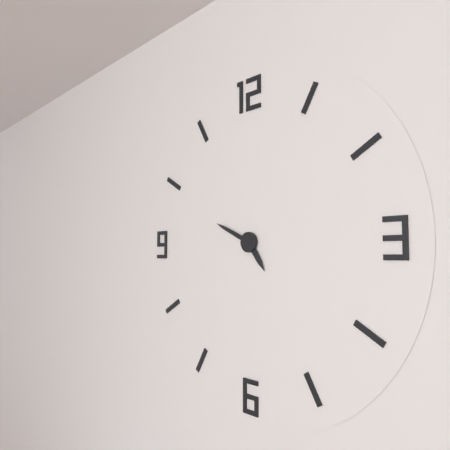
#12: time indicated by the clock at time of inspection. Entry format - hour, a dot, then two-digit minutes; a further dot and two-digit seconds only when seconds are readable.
4.49
